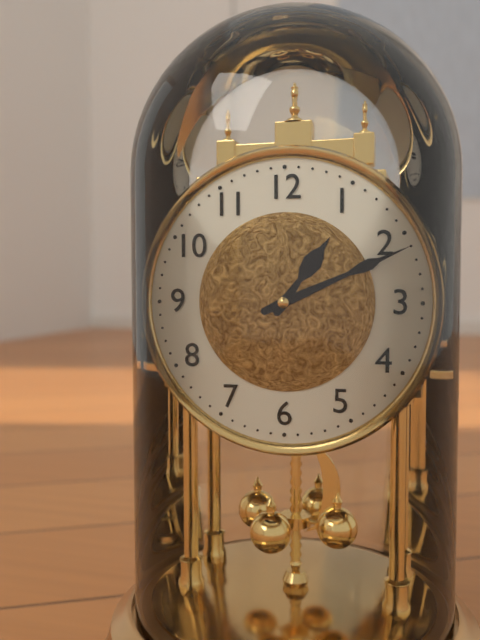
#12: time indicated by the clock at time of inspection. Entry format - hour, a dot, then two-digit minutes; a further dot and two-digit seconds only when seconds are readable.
1.11
